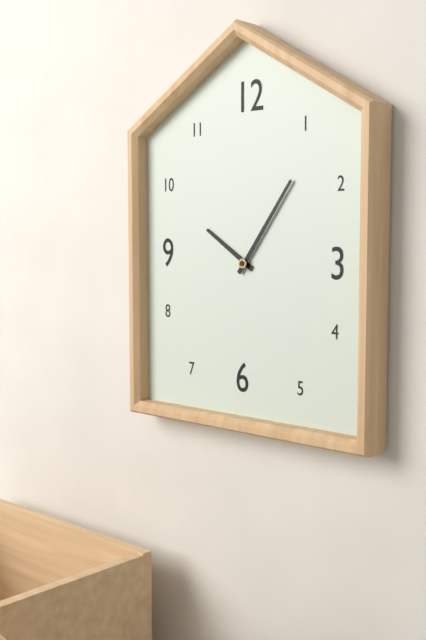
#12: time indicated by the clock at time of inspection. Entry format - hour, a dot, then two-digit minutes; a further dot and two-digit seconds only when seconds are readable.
10.06
